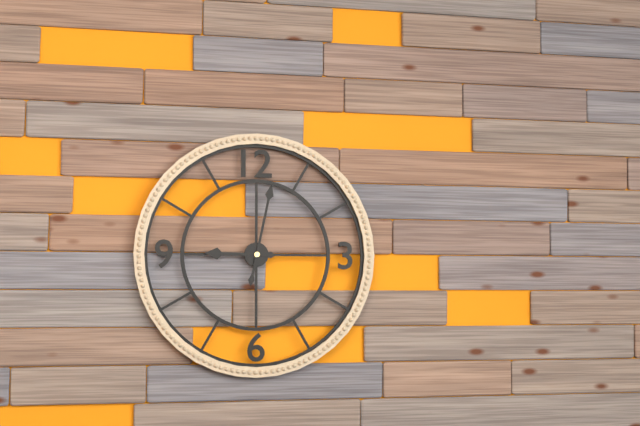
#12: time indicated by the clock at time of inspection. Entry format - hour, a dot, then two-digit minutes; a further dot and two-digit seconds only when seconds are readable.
9.02
